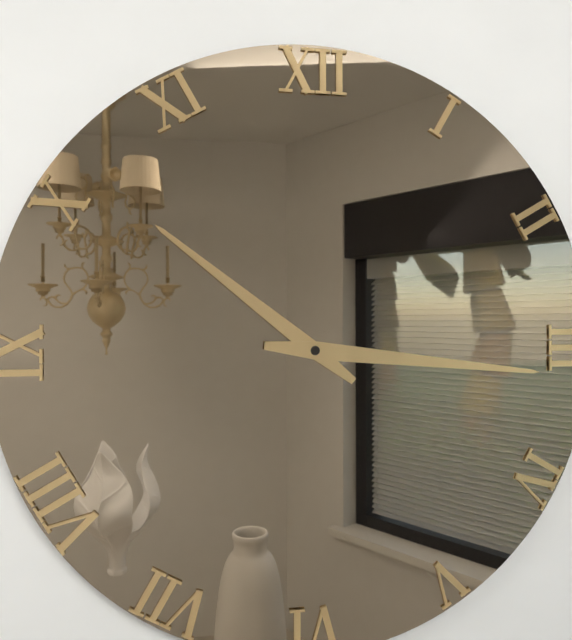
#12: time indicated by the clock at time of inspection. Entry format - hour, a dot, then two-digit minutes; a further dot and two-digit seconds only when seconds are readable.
10.16
